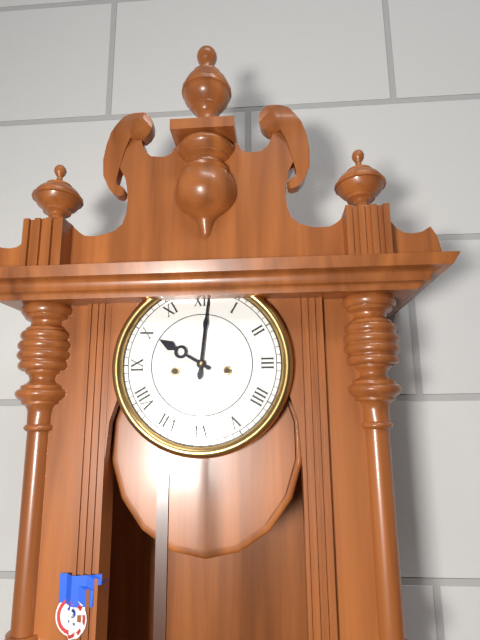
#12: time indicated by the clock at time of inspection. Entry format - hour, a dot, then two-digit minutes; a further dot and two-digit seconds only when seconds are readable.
10.01
